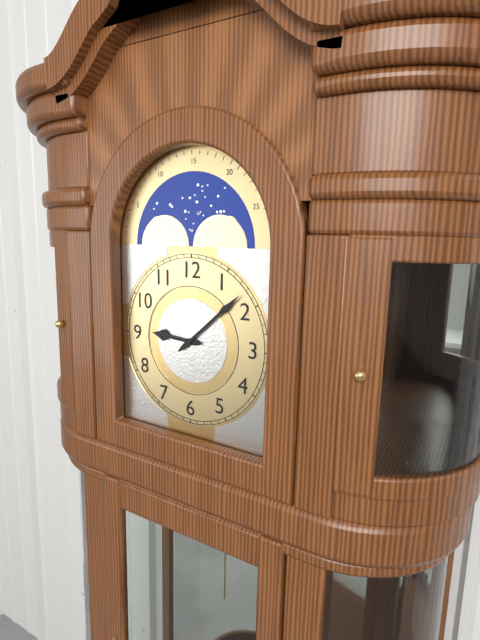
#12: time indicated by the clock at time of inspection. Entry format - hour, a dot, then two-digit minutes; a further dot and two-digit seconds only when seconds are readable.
9.08
